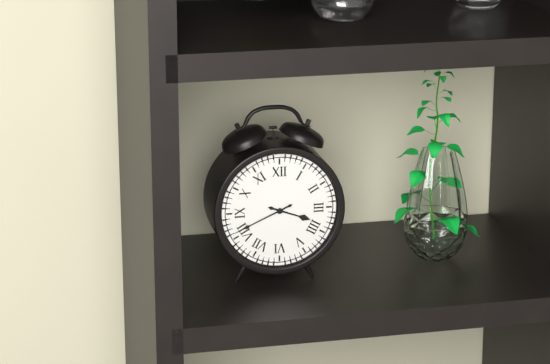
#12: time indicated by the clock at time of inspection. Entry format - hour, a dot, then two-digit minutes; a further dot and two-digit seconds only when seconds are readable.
3.41
